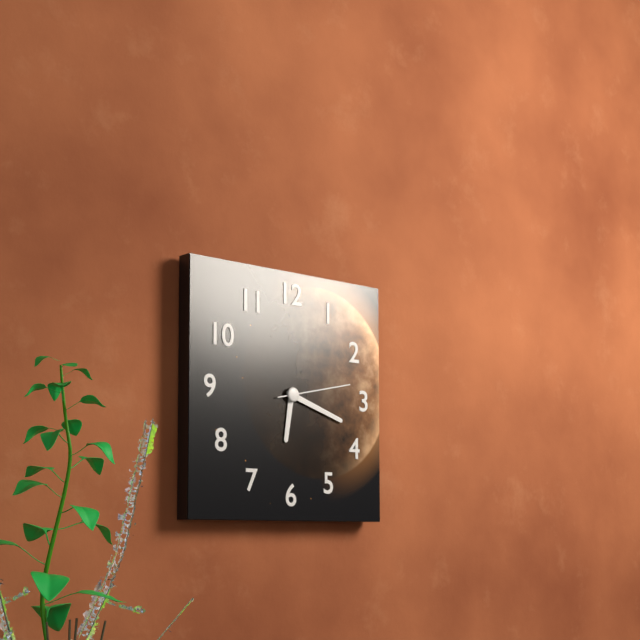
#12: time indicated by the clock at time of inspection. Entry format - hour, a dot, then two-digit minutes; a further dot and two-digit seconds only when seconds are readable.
6.18.13
